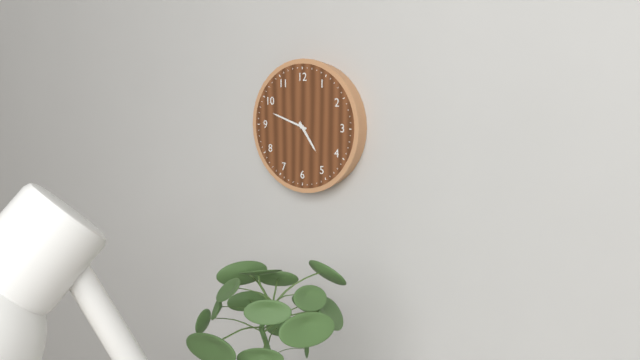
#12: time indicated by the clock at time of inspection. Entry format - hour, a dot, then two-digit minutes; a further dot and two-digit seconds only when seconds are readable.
4.48
